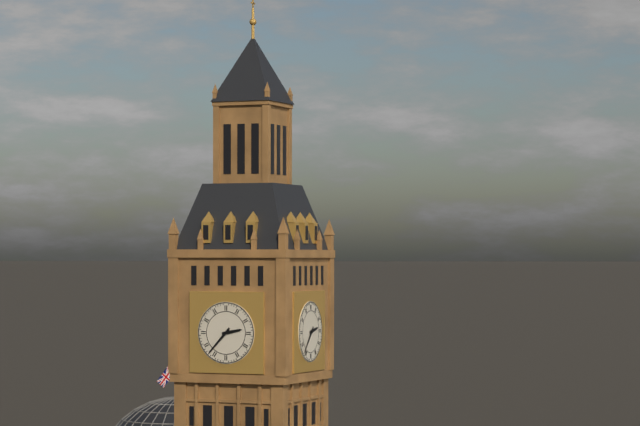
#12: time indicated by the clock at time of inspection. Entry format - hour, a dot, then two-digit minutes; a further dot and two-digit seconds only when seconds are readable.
2.37
